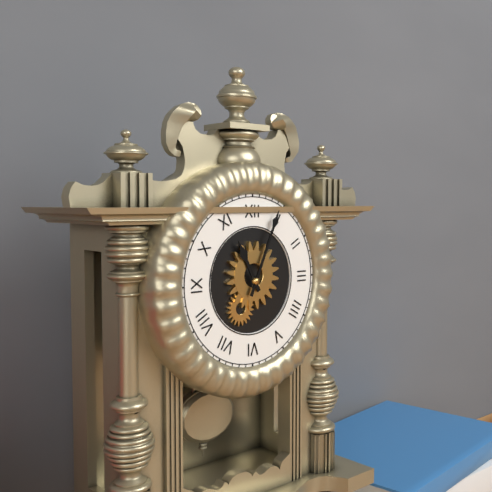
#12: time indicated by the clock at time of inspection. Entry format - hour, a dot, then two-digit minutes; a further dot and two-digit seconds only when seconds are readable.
11.04
